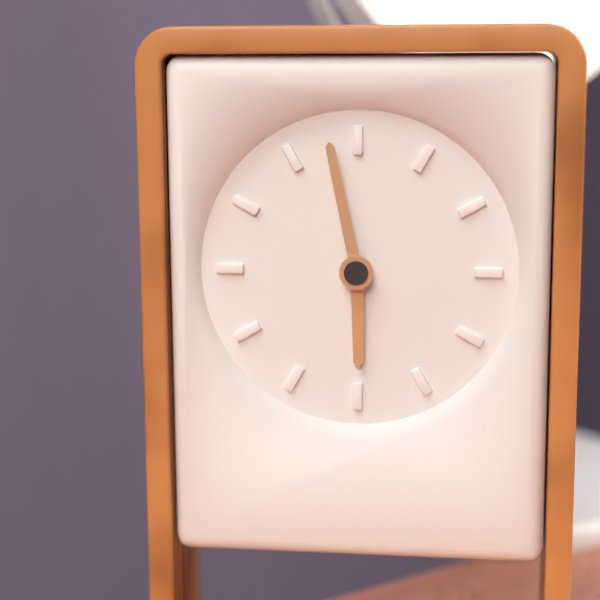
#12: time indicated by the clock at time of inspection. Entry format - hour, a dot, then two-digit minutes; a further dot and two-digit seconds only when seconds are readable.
5.58
